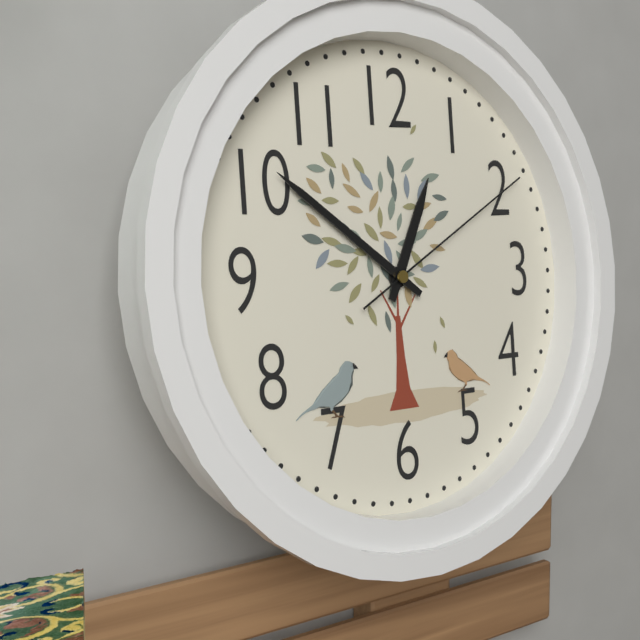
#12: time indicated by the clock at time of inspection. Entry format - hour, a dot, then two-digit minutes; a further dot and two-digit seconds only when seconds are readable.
12.51.10
